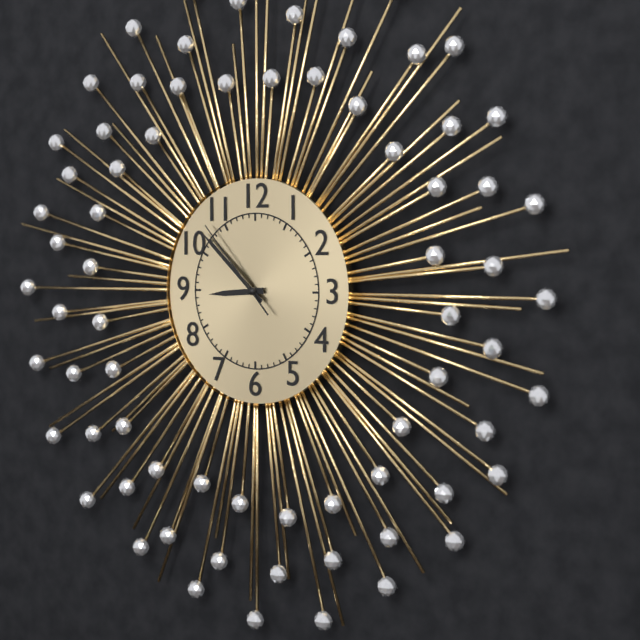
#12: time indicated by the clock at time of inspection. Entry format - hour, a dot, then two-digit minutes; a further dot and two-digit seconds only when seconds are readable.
8.52.53
